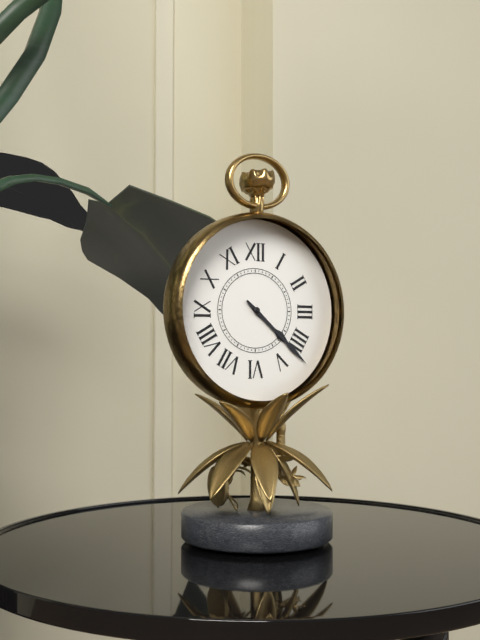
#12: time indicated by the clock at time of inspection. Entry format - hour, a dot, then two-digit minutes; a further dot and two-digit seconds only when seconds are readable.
4.22
